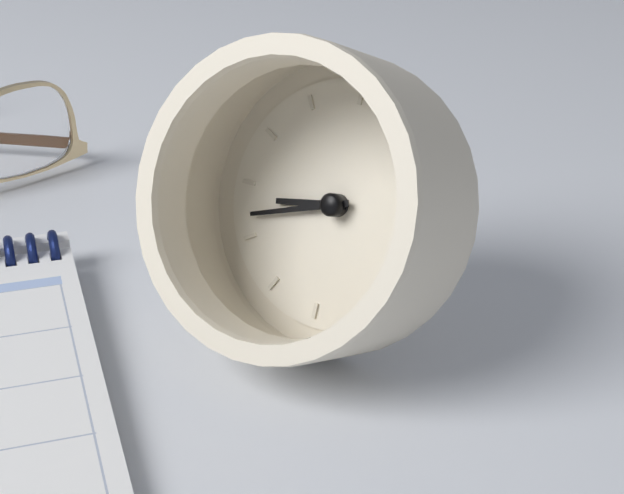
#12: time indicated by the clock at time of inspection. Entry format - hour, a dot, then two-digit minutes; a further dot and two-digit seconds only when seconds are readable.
8.42
